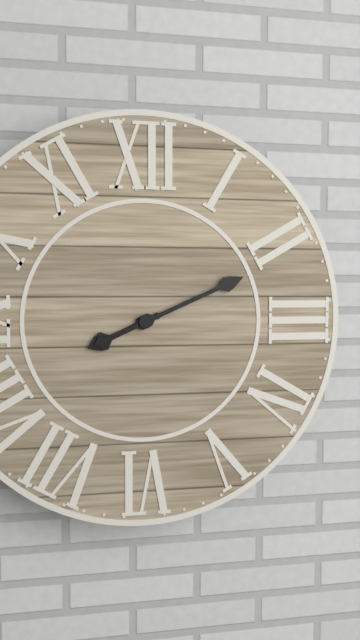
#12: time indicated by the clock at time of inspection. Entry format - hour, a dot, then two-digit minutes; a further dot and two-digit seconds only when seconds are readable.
8.11
